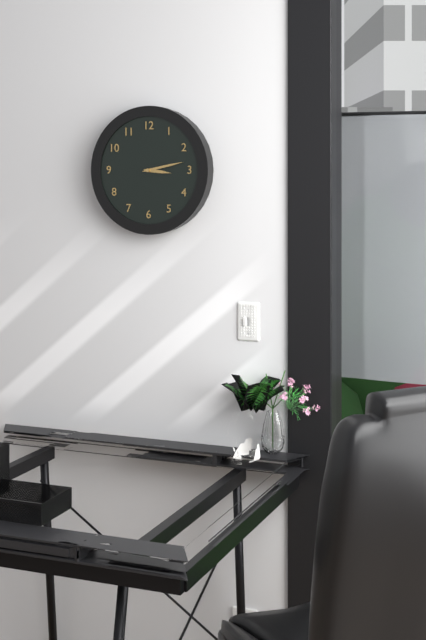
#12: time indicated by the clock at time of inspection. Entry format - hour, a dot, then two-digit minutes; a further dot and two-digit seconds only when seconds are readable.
3.13
